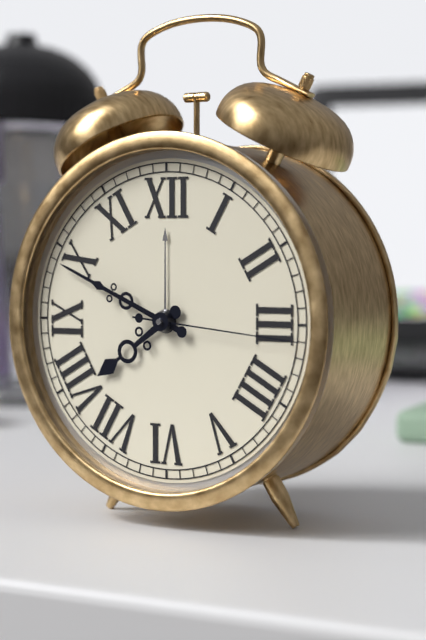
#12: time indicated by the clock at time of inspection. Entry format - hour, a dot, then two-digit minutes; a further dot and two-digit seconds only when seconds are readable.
7.49.16
